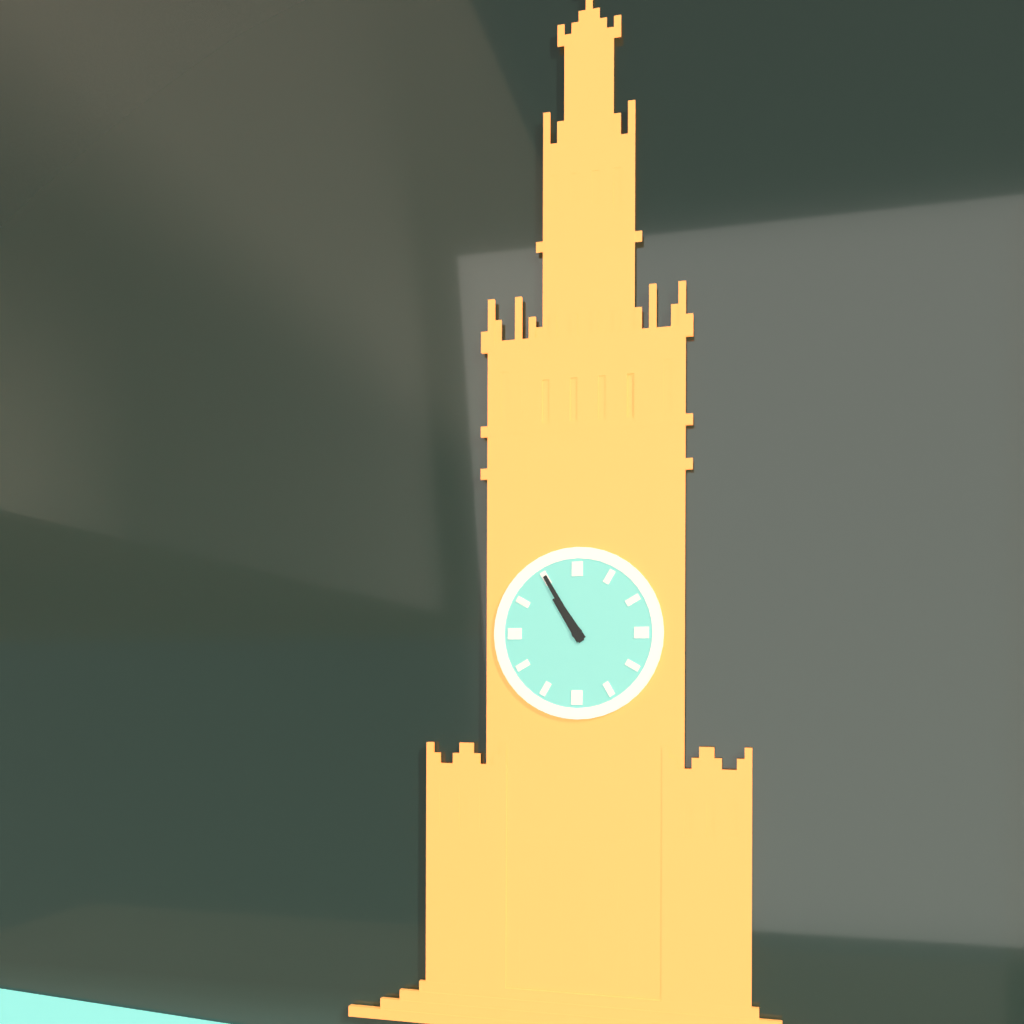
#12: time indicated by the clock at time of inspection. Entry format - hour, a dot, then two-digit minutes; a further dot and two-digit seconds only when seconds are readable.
10.55
